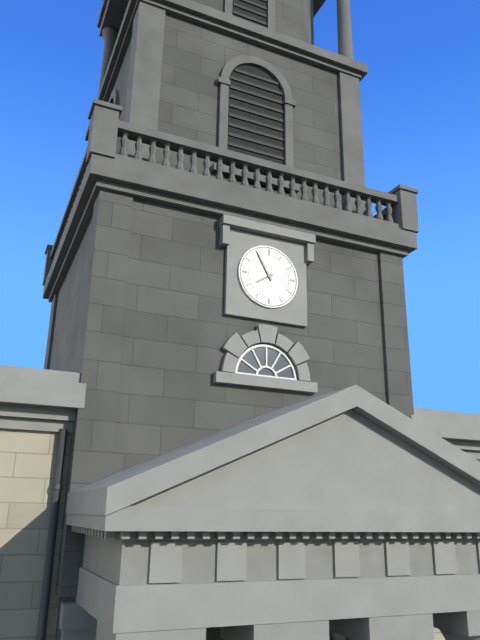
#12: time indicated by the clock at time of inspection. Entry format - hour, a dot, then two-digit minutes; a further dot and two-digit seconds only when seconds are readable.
7.55
